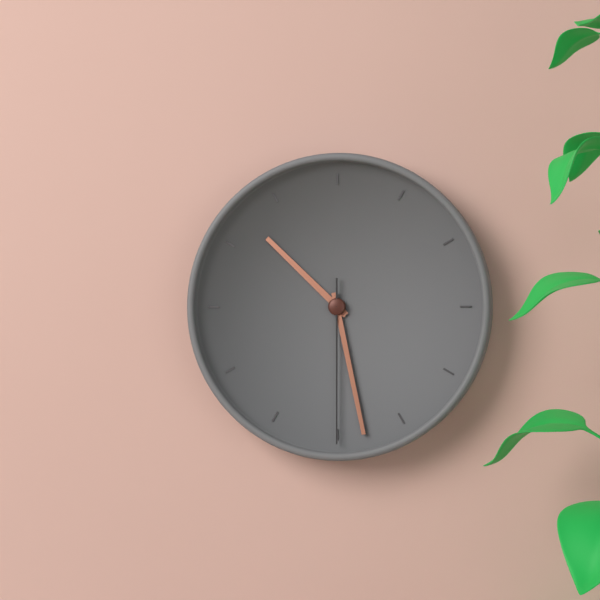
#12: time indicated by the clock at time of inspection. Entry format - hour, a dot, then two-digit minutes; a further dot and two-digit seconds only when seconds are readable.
10.28.30
